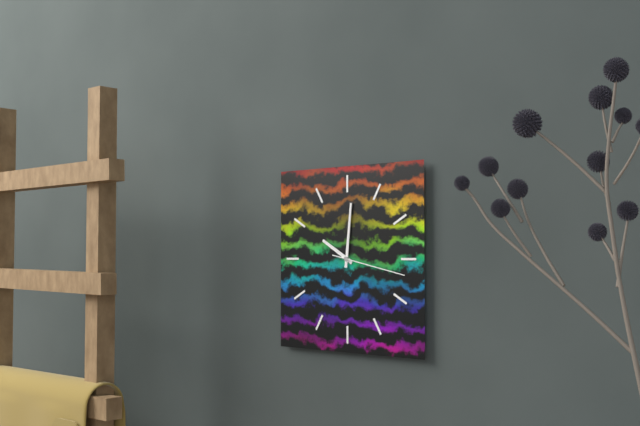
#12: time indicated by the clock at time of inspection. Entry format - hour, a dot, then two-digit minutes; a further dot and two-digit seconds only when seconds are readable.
10.01.17
